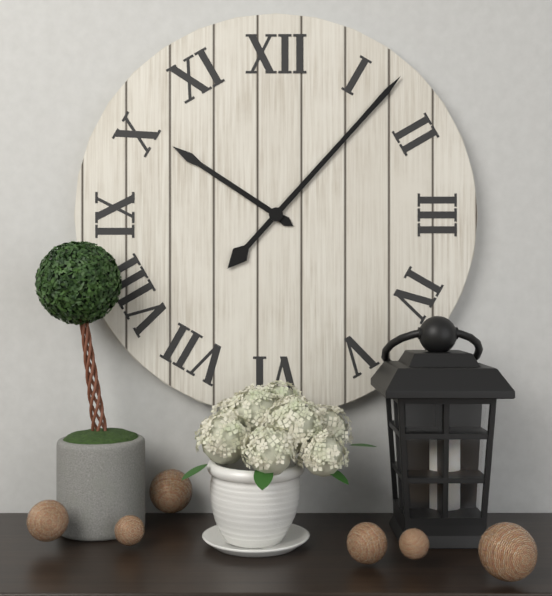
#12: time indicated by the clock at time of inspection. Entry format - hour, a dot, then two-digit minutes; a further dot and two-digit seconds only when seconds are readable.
10.07
